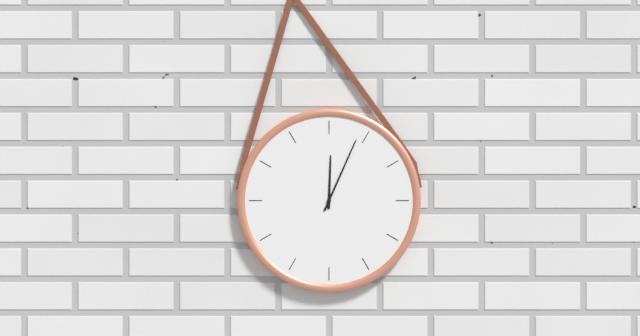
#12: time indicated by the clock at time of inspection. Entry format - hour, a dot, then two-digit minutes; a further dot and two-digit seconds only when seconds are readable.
12.04
